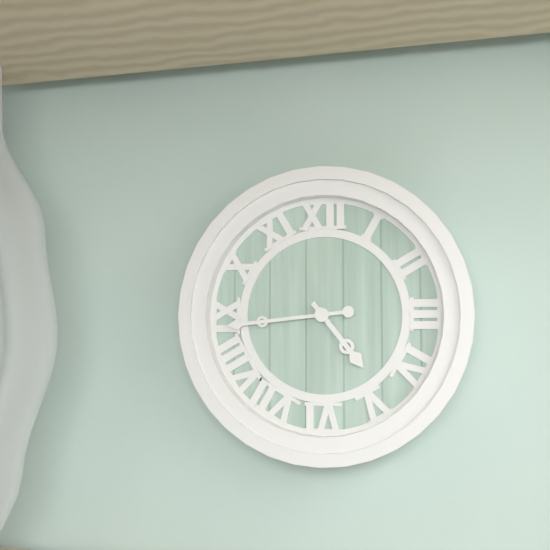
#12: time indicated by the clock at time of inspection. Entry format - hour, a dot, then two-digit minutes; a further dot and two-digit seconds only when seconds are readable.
4.44
